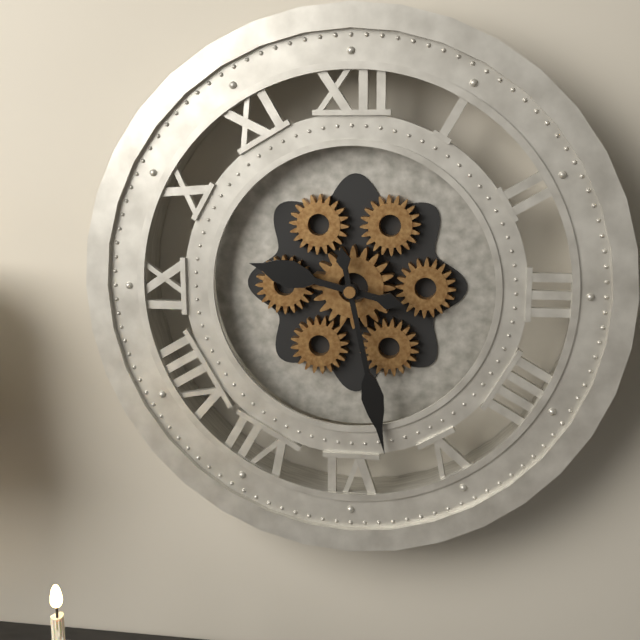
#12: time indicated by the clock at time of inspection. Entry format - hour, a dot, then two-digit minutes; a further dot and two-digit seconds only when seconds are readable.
9.28
